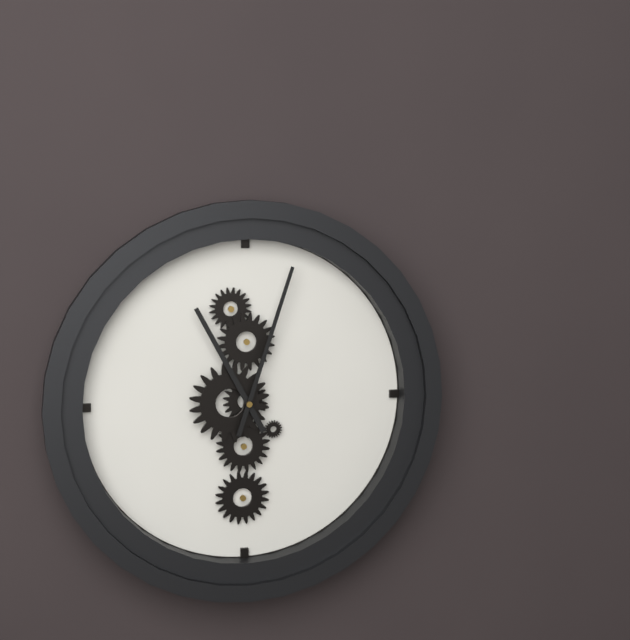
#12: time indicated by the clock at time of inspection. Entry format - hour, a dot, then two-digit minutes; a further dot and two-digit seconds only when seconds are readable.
11.03
